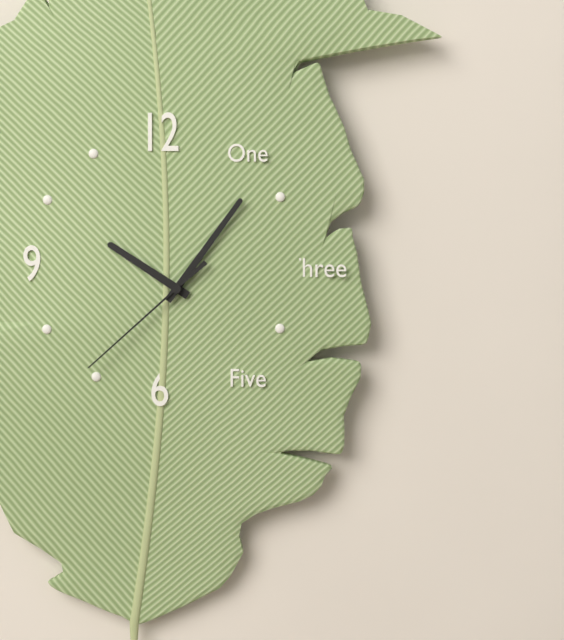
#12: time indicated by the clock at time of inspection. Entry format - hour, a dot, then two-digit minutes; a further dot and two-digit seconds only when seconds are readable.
10.06.38
